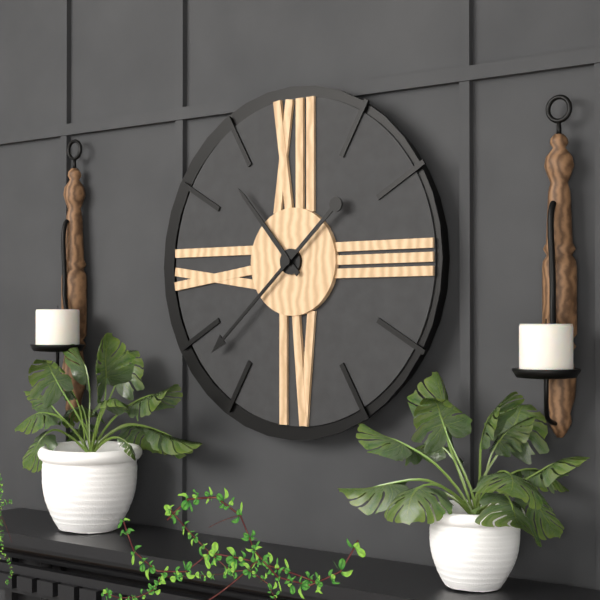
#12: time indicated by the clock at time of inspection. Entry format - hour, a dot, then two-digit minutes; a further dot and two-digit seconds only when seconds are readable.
10.38
